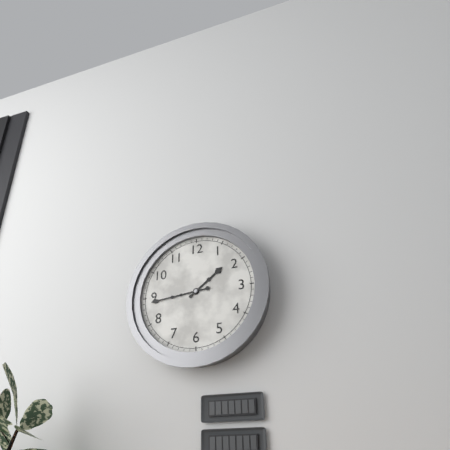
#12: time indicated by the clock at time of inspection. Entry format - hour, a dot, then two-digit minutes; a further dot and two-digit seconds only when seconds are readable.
1.44
